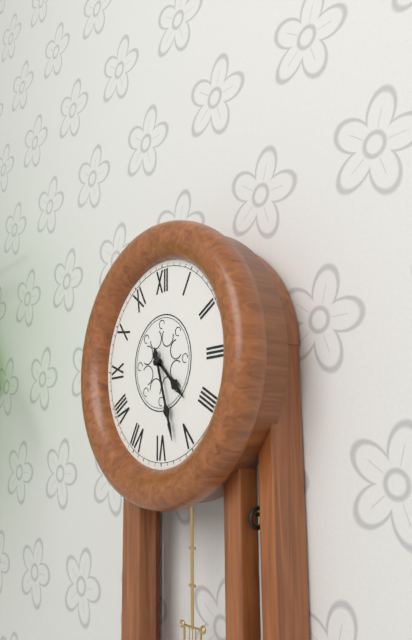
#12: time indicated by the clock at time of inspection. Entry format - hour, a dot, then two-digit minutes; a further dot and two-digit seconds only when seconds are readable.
4.27
